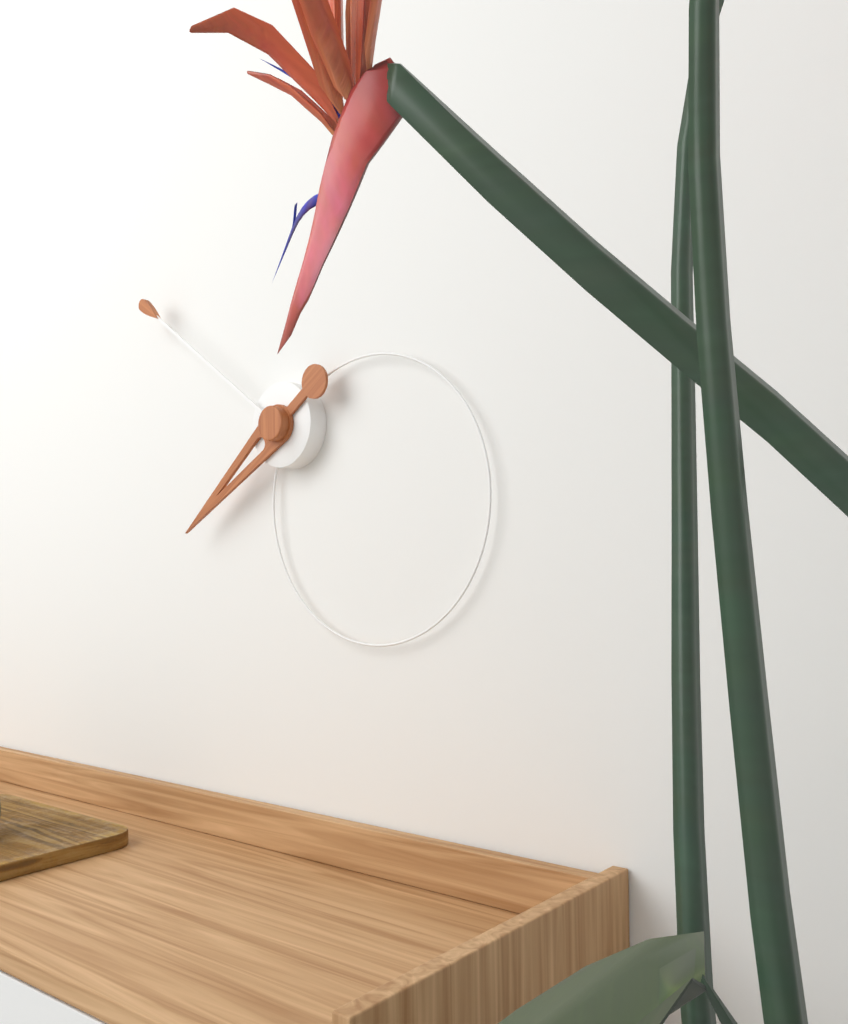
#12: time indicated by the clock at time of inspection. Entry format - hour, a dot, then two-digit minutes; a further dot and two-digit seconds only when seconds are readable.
7.51
